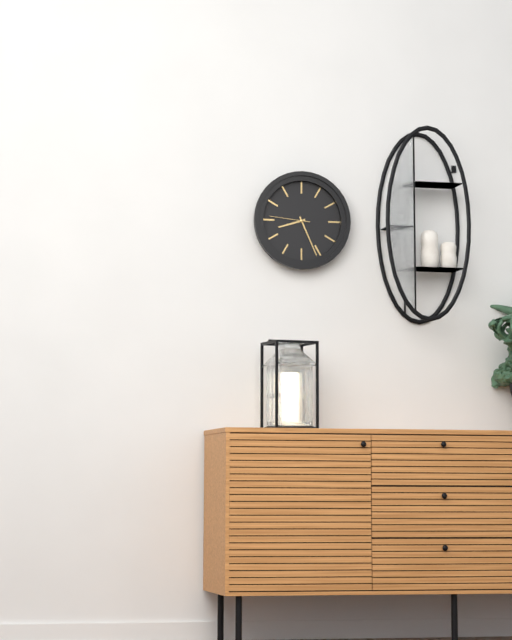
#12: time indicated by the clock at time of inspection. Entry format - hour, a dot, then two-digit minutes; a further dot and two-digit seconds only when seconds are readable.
8.26
